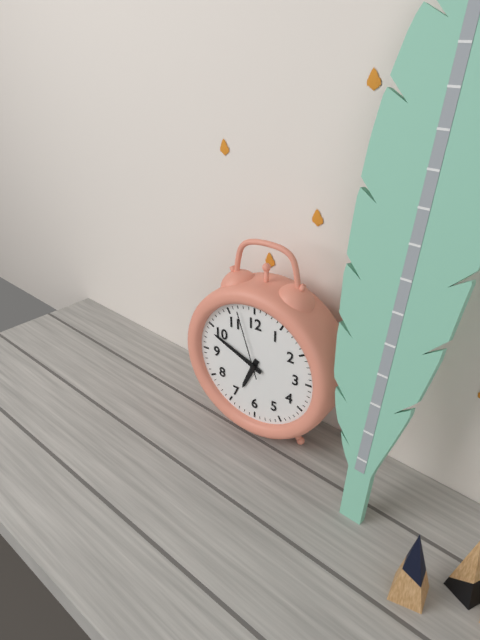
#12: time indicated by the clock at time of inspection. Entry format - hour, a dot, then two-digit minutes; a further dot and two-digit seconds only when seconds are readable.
6.49.57
